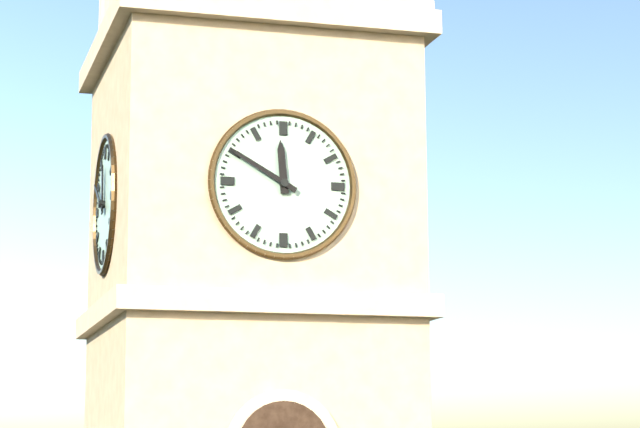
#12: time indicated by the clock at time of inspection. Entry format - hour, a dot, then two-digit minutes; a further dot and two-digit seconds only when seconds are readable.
11.50
